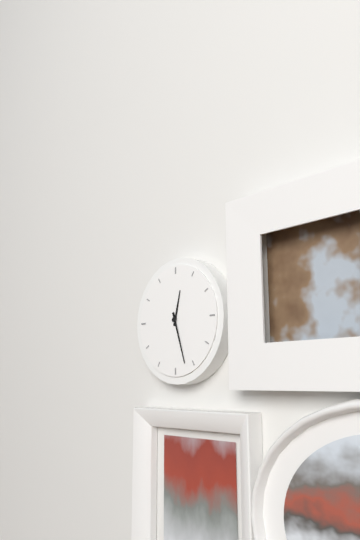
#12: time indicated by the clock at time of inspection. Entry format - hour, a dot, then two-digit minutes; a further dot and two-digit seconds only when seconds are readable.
12.27
